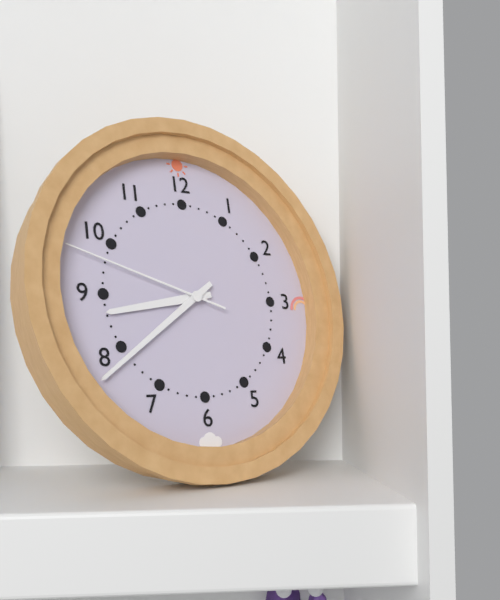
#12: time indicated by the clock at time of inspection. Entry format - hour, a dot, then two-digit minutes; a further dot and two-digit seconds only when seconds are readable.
8.39.48
